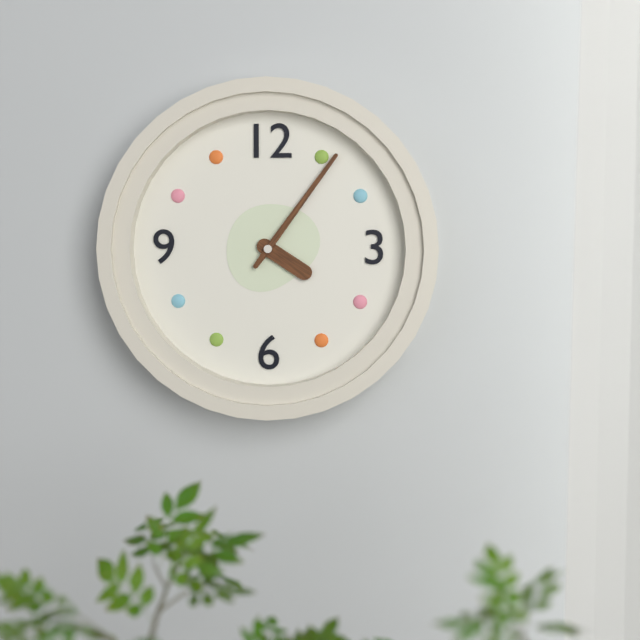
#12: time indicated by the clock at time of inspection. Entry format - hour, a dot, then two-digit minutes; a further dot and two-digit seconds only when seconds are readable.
4.06
